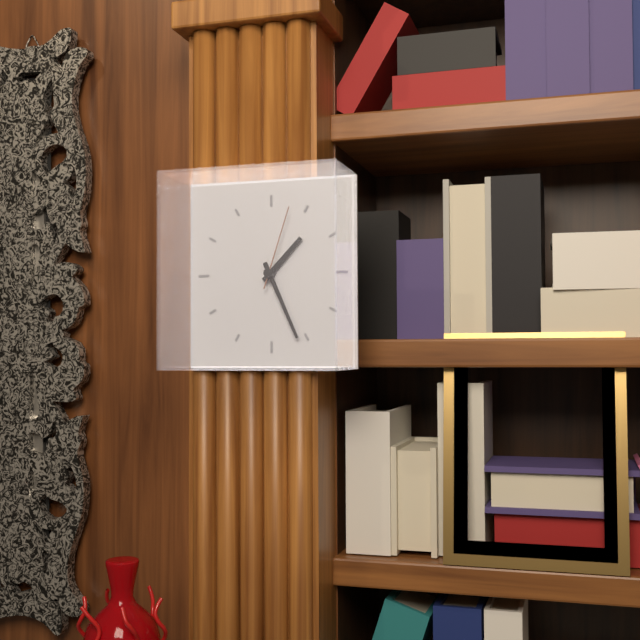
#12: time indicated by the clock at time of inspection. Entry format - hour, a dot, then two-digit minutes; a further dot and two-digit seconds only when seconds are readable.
1.26.03
